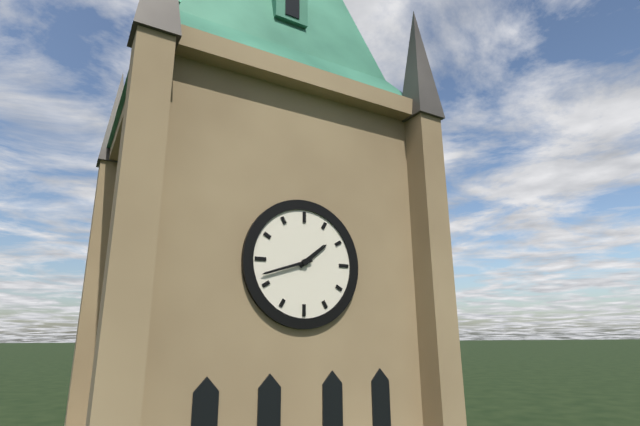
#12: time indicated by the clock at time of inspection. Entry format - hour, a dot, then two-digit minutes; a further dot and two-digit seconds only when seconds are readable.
1.42
